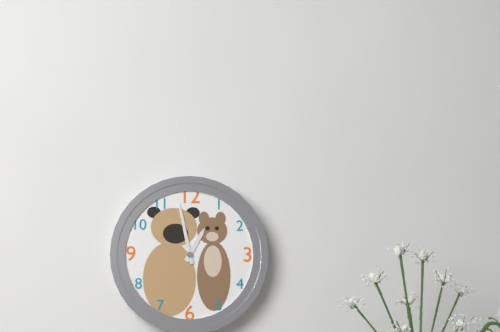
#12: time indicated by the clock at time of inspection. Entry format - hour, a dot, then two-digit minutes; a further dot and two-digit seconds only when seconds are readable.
12.58
